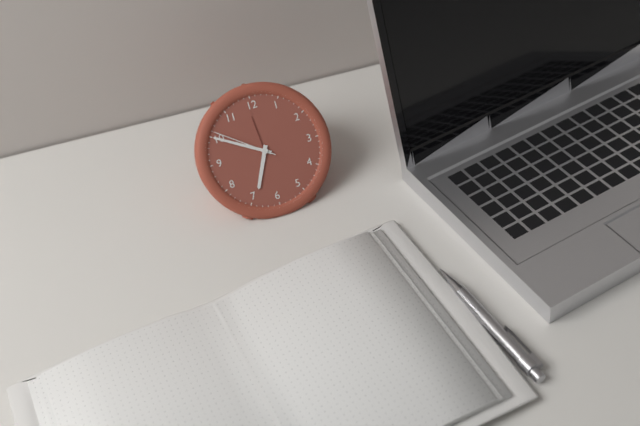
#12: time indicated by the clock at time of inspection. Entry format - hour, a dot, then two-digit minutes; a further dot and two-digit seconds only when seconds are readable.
6.50.51
